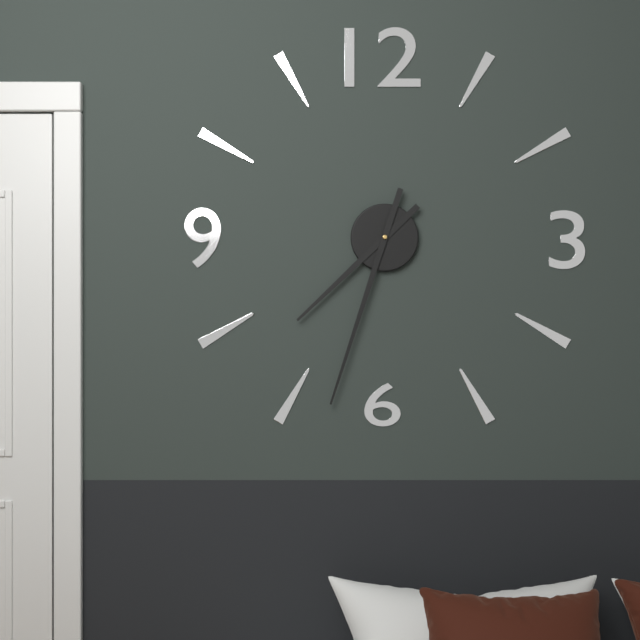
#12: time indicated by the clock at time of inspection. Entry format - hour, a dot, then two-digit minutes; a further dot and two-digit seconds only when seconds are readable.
7.33
